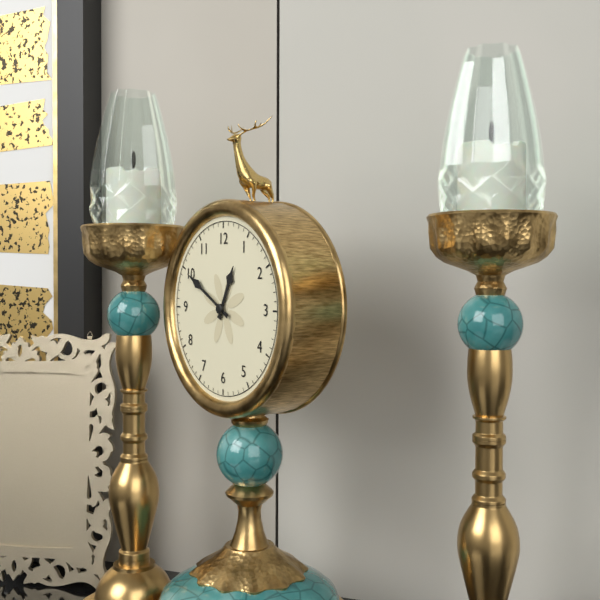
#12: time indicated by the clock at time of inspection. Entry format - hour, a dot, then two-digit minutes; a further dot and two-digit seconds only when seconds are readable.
12.50
